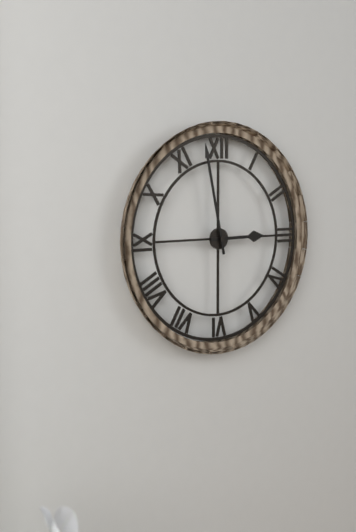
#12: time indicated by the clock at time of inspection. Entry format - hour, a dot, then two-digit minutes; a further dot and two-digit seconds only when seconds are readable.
2.58
